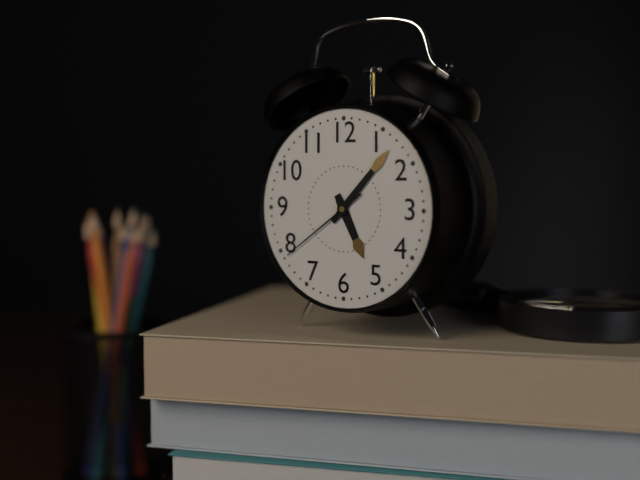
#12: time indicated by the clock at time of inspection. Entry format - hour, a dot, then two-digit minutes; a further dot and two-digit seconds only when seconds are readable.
5.07.39
